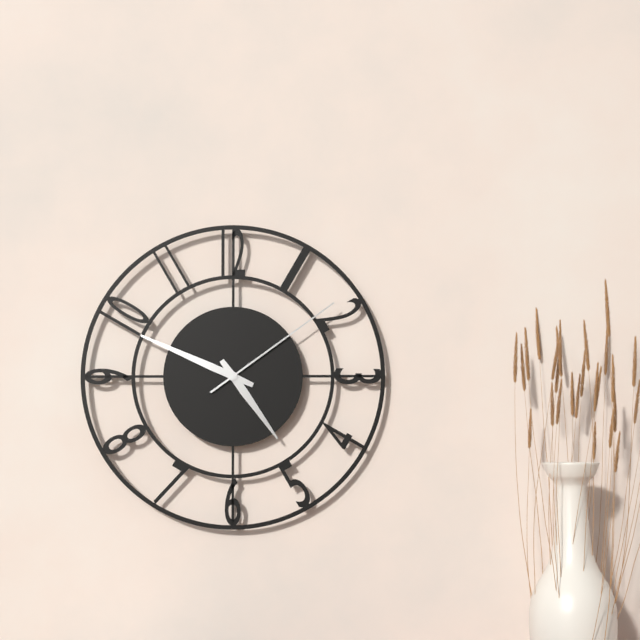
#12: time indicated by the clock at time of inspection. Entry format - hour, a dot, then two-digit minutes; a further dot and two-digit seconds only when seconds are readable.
4.49.09
